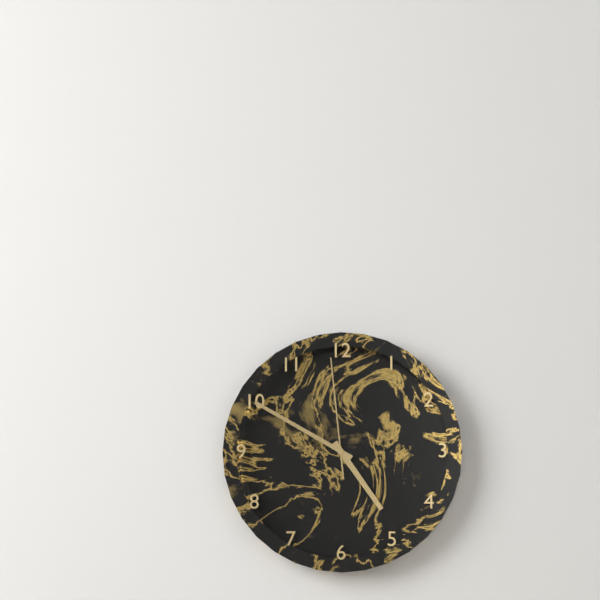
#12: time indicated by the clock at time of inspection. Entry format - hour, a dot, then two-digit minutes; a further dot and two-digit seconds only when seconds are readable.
4.50.59
